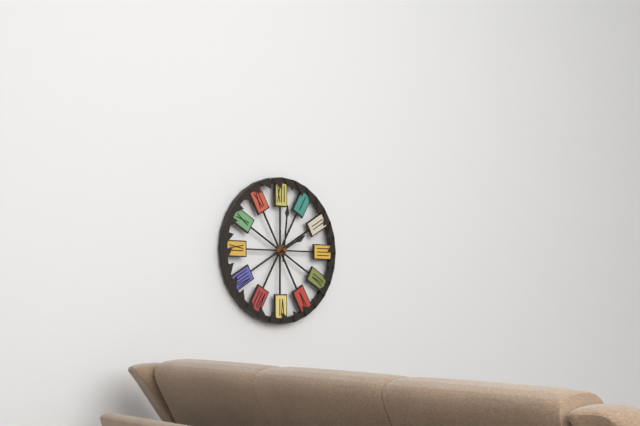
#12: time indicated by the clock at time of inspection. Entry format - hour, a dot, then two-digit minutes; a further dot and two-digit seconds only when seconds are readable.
2.01
